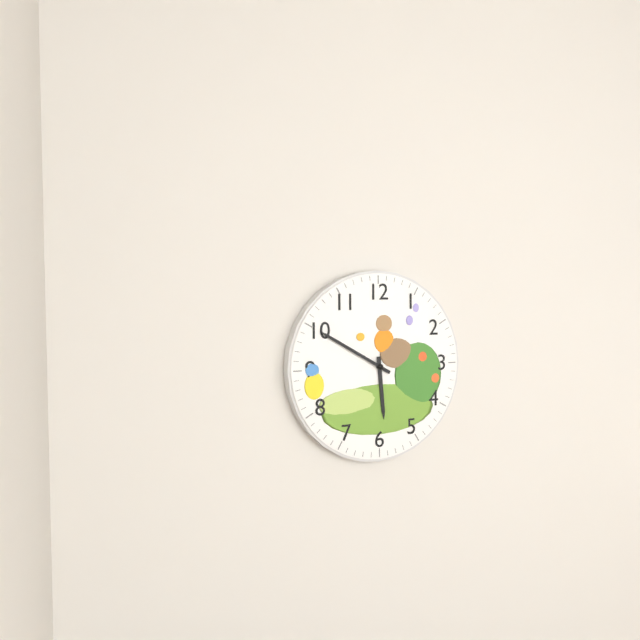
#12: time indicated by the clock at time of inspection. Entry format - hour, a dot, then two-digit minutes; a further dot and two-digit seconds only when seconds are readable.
5.50
